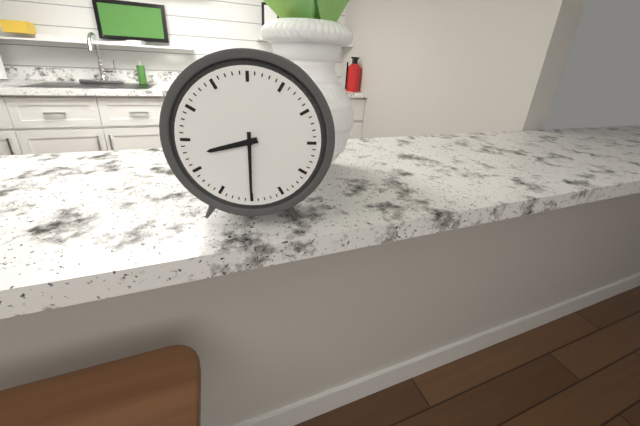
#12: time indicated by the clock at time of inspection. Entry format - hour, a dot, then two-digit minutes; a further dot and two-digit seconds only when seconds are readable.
8.30
